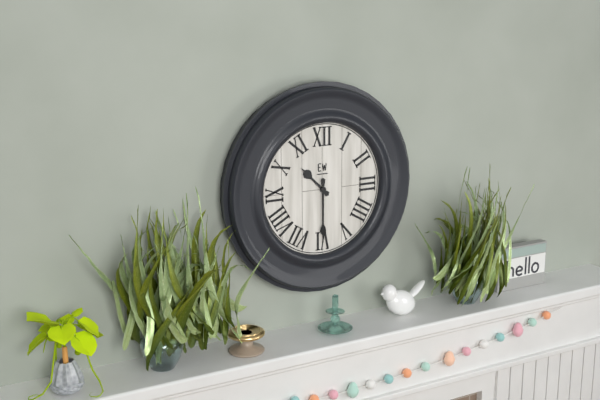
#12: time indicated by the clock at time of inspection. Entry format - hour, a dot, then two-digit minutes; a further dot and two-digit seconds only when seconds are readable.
10.30
